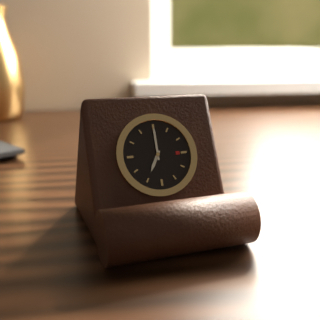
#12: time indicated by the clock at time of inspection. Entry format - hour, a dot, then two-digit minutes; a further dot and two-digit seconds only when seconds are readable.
7.00
